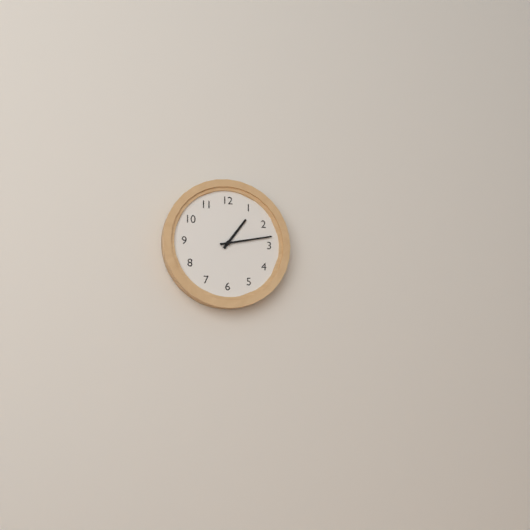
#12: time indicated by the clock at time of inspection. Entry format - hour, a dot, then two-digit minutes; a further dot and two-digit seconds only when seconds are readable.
1.13
